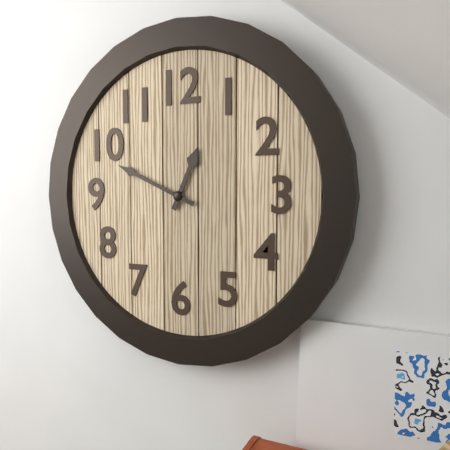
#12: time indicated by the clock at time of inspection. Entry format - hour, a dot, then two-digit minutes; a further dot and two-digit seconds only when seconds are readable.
12.49
